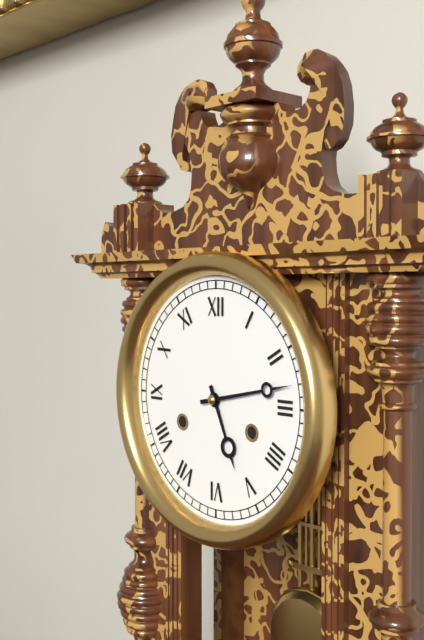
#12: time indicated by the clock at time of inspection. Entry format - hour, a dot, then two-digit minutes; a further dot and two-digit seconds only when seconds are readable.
5.13
